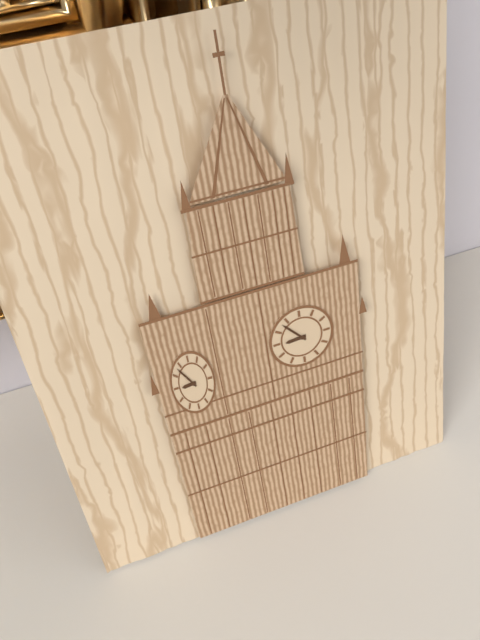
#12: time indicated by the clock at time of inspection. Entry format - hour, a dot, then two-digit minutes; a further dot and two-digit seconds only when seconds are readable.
8.53
